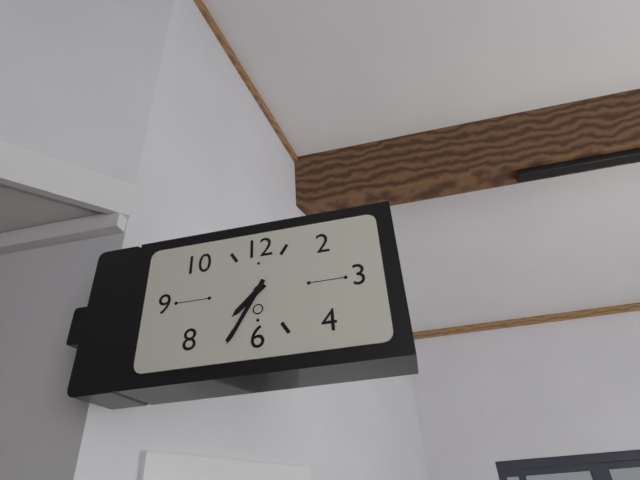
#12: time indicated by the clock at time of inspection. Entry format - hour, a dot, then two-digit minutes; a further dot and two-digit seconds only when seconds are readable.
7.35
